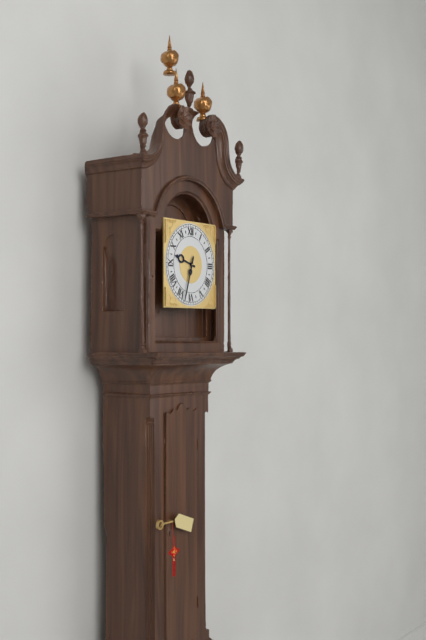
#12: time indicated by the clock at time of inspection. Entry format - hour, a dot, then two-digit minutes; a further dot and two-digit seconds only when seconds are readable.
9.33
